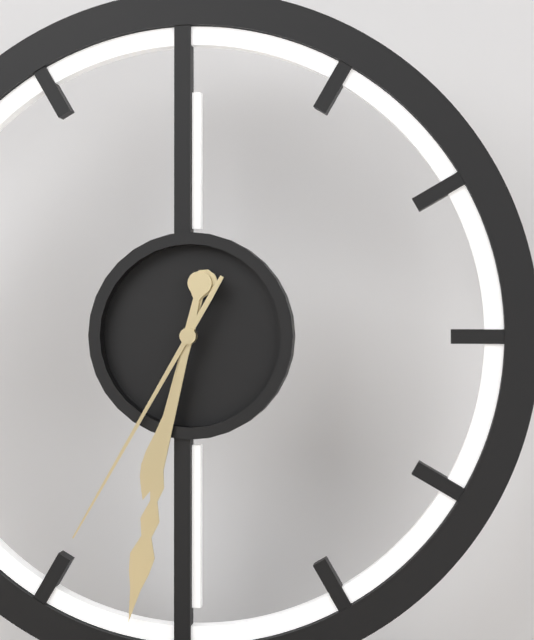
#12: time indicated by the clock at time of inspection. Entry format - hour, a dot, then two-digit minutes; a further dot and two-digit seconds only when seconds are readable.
6.32.35
